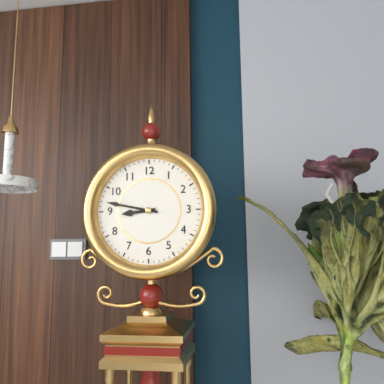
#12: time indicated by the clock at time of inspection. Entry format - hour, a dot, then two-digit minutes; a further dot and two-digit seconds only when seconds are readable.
8.47
